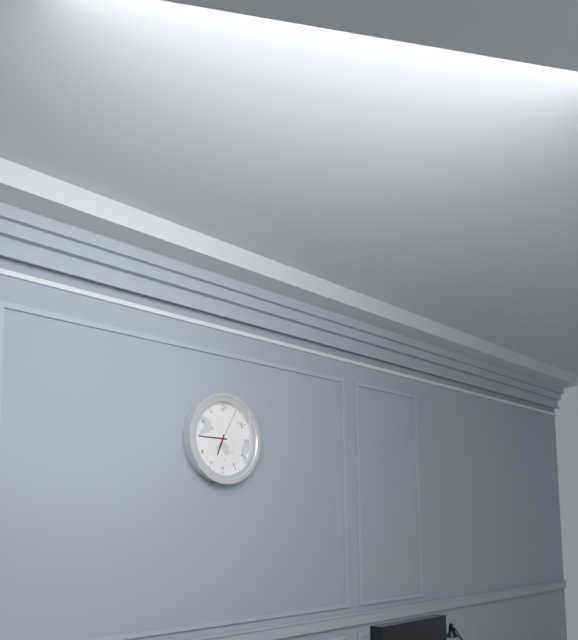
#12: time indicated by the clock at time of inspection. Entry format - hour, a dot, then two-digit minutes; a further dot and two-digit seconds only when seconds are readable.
6.45
